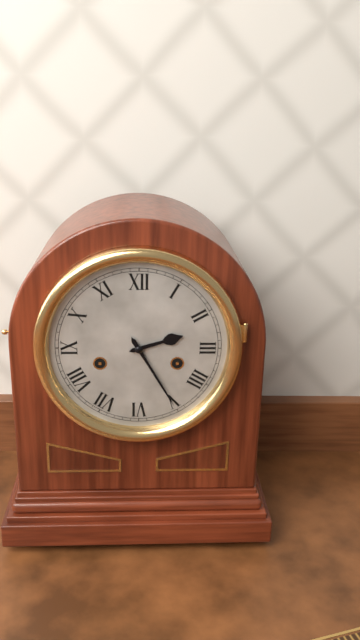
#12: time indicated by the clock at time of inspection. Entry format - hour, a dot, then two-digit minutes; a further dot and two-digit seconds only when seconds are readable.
2.25
